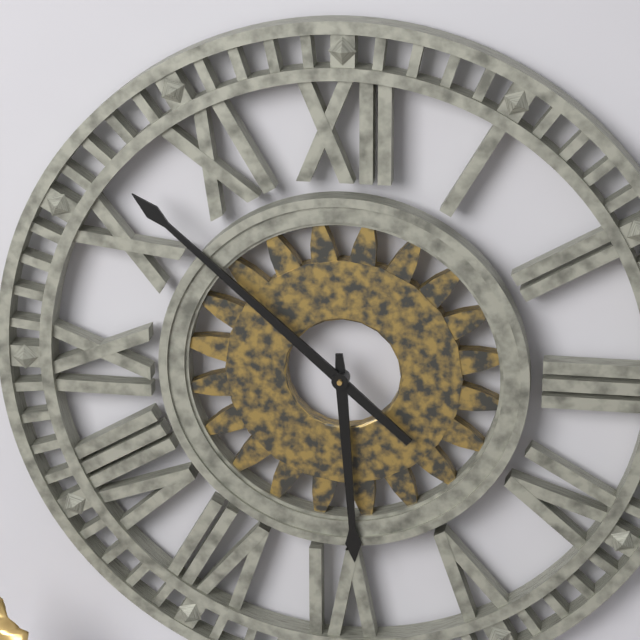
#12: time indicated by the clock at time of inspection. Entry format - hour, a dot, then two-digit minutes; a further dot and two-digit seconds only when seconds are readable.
5.52
